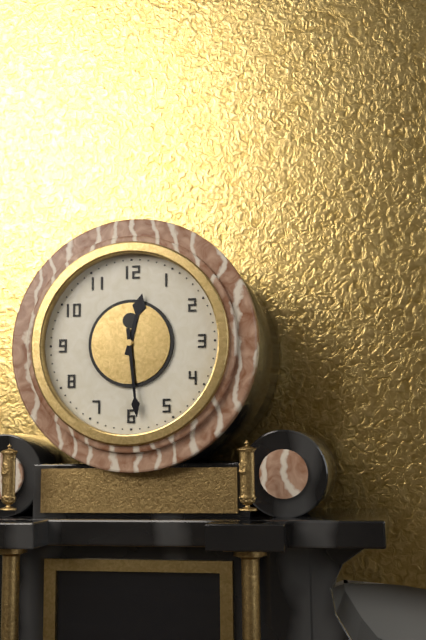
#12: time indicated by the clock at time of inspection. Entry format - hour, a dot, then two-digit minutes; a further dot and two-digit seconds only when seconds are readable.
12.29
